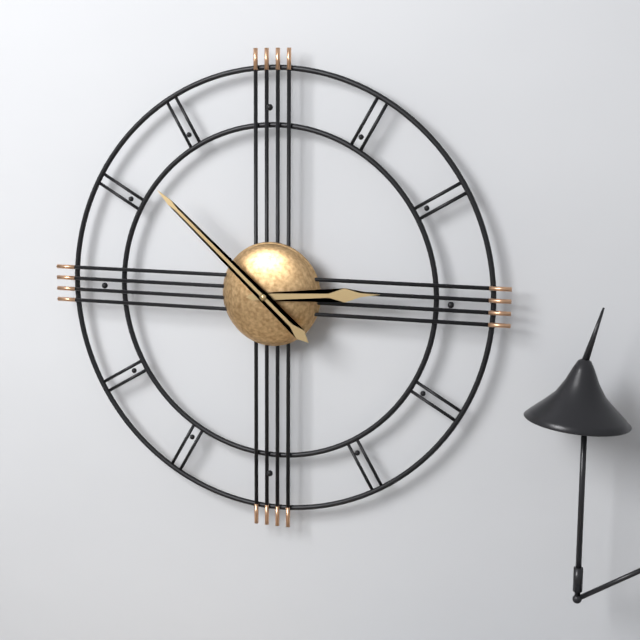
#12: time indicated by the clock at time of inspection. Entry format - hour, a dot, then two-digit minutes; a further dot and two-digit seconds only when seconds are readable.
2.52
